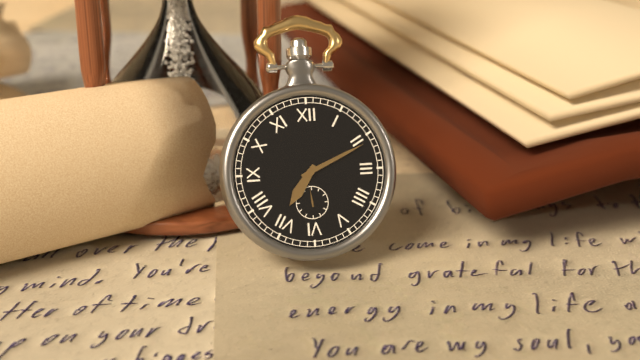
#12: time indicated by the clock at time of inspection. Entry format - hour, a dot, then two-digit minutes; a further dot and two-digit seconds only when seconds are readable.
7.11
